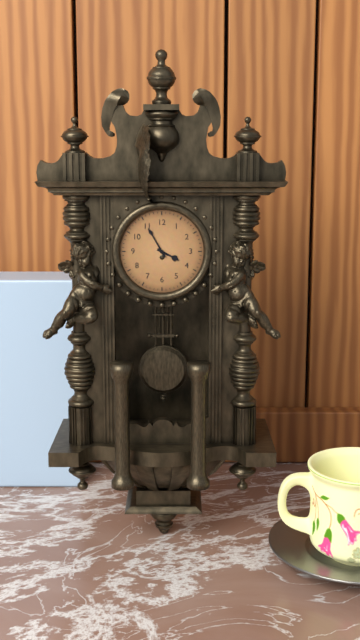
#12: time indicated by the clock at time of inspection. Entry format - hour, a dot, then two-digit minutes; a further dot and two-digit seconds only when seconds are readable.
3.55
